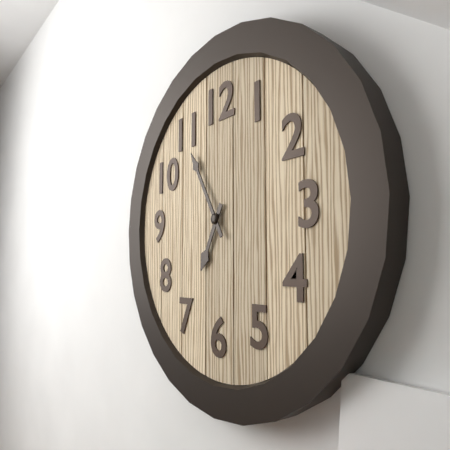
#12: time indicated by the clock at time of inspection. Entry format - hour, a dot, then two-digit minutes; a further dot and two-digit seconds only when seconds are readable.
6.55
